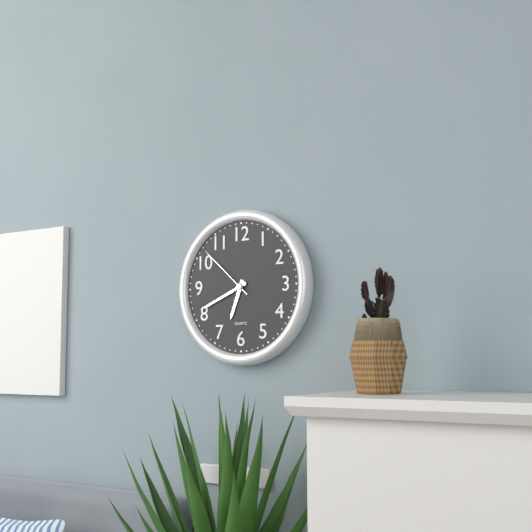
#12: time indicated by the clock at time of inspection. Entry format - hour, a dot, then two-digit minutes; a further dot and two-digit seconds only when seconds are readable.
6.41.52
